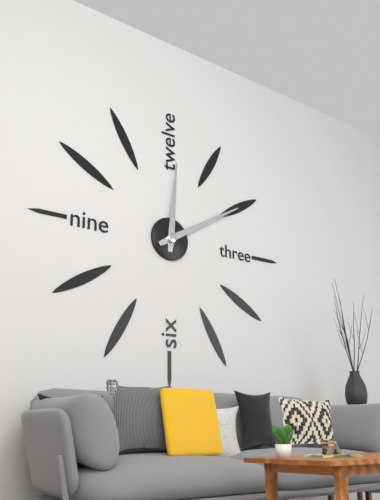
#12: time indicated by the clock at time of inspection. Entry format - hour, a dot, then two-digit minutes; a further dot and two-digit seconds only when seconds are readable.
12.10
